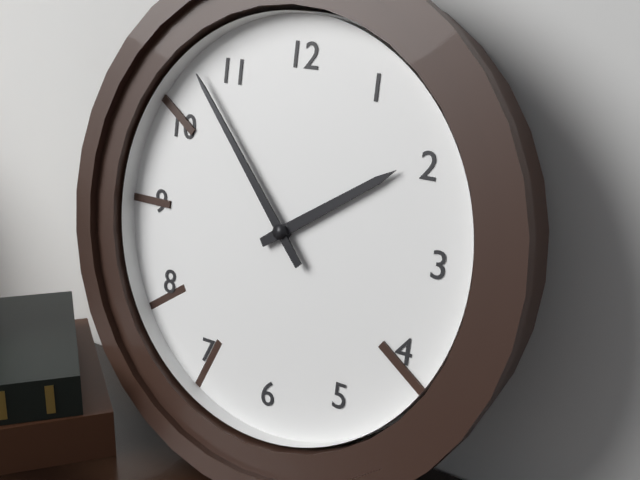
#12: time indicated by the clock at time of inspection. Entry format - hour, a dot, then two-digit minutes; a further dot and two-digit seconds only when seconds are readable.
1.53
